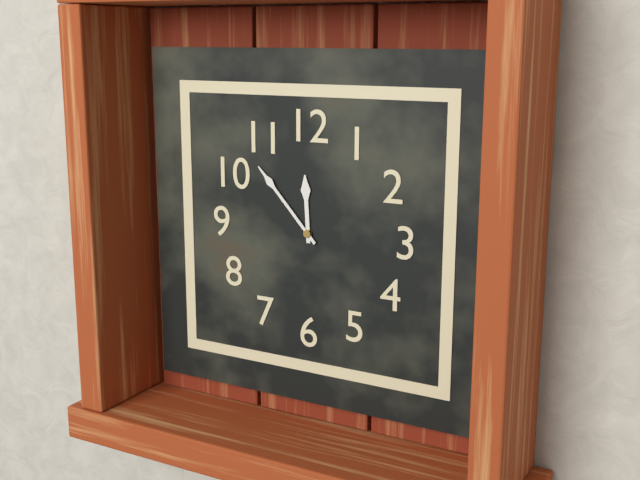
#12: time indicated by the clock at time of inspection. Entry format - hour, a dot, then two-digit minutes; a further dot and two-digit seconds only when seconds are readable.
11.53
